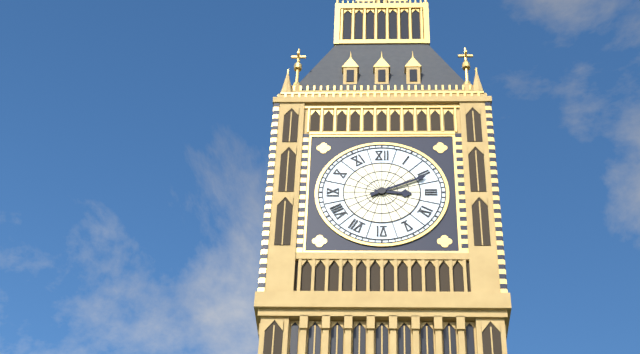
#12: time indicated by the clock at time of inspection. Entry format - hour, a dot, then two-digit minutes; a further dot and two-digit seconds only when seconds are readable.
3.11
